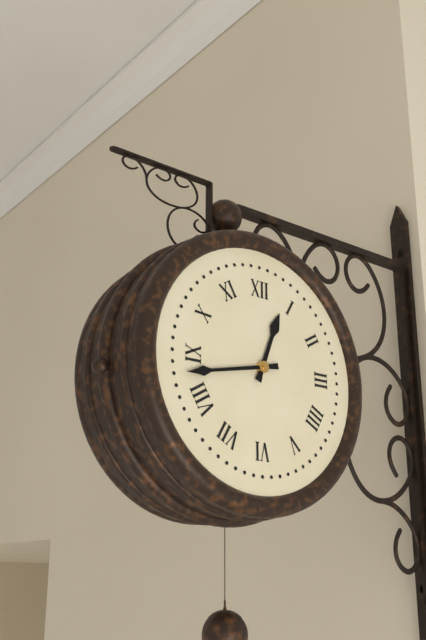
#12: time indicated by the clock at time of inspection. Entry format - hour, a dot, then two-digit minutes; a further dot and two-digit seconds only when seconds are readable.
12.43
